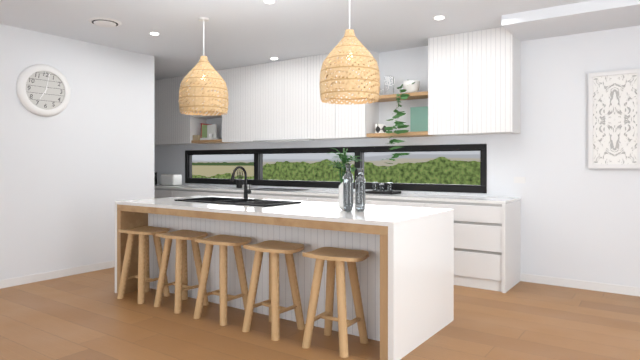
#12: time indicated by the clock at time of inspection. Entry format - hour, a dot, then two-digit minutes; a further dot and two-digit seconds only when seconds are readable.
7.02
